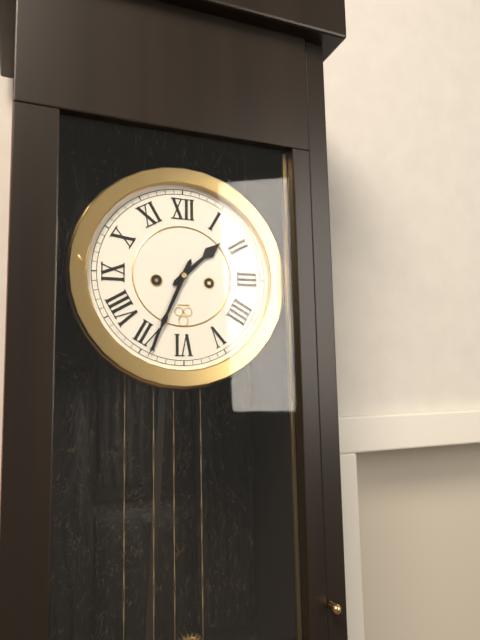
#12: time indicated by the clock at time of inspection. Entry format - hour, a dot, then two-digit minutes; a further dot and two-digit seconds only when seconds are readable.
1.34
